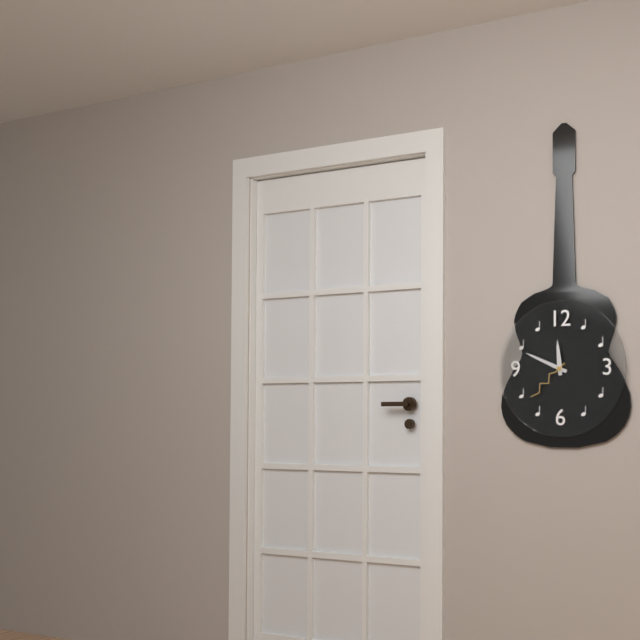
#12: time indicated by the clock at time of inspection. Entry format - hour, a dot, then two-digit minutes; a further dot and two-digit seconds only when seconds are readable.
11.49.38
